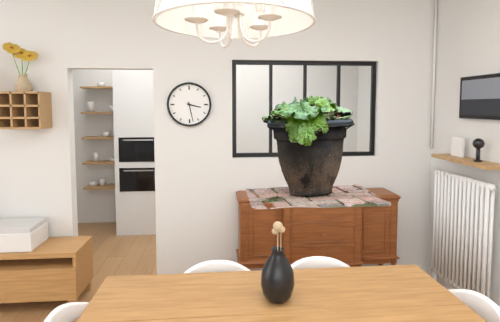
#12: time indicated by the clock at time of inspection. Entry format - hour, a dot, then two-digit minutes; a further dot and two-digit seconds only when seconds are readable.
3.28
